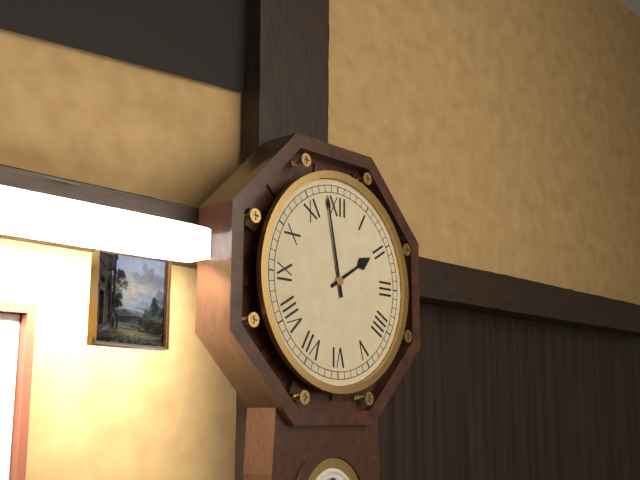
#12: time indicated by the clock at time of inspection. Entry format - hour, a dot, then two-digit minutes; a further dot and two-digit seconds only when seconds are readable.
1.58
